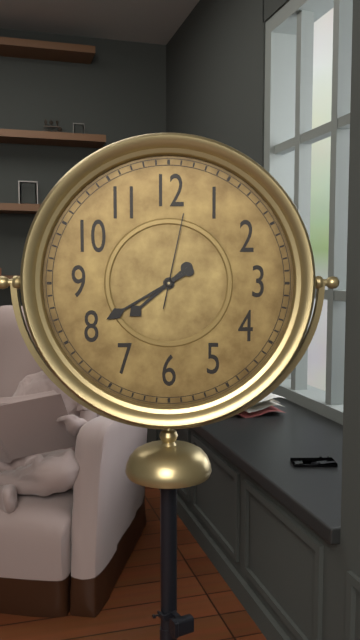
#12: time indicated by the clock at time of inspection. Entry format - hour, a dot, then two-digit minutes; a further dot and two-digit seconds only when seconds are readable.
7.40.02
